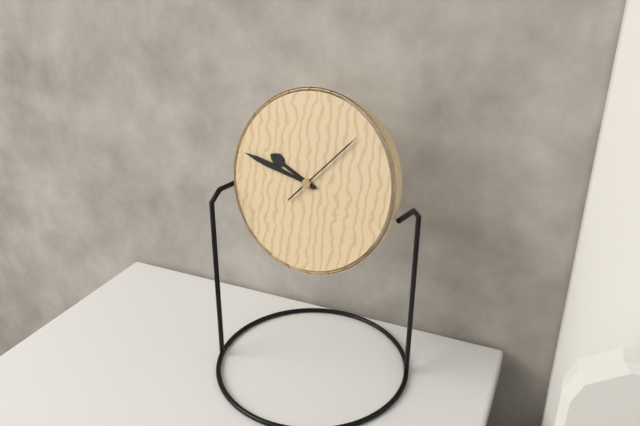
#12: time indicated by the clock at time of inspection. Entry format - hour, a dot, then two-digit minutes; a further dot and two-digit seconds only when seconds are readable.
9.47.07
